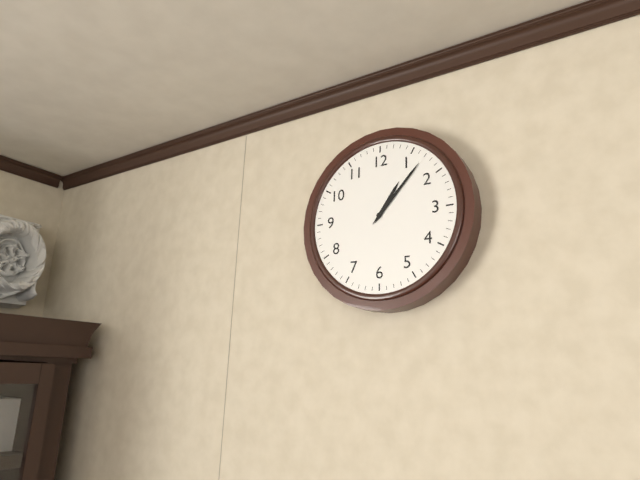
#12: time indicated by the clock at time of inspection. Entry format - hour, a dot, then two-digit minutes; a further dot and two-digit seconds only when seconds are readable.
1.07
